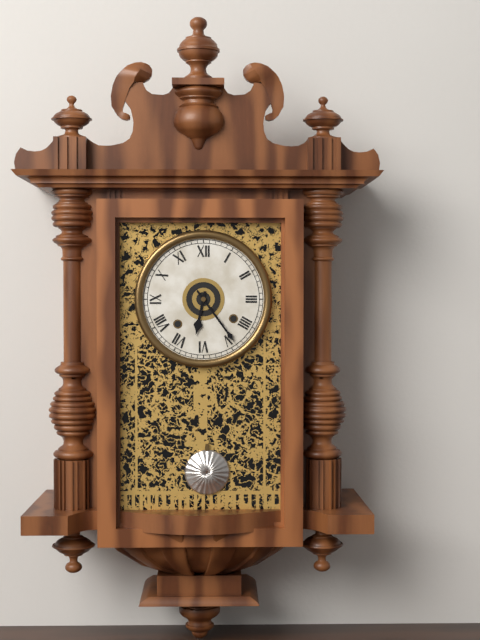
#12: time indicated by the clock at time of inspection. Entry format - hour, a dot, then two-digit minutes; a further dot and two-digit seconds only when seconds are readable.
6.24
